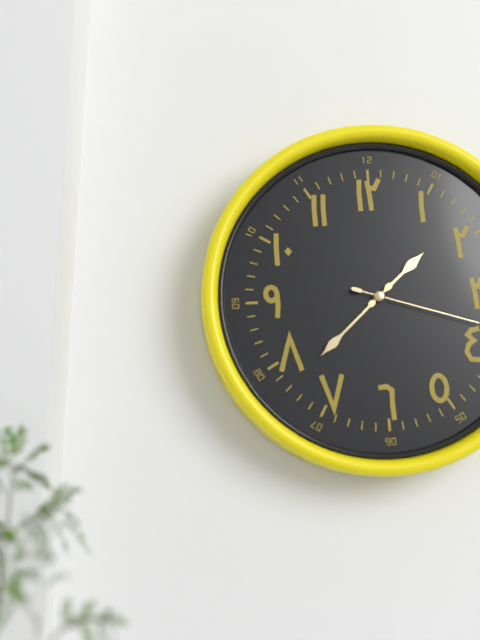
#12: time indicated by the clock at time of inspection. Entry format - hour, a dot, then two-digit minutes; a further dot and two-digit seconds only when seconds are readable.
1.38.18
